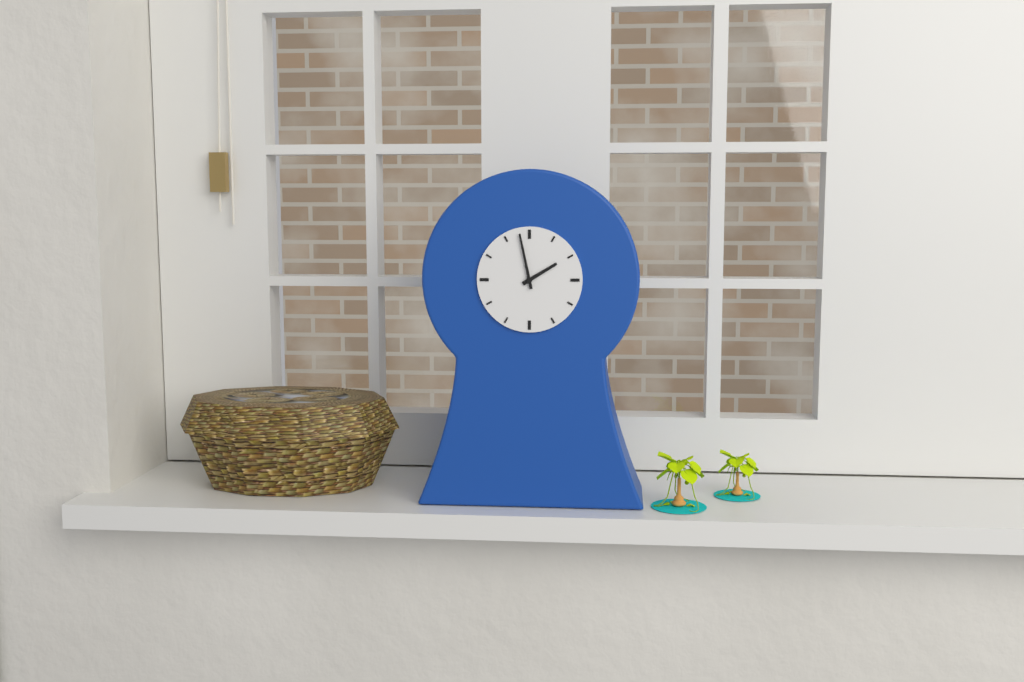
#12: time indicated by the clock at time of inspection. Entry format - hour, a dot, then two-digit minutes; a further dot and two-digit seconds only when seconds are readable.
1.58
